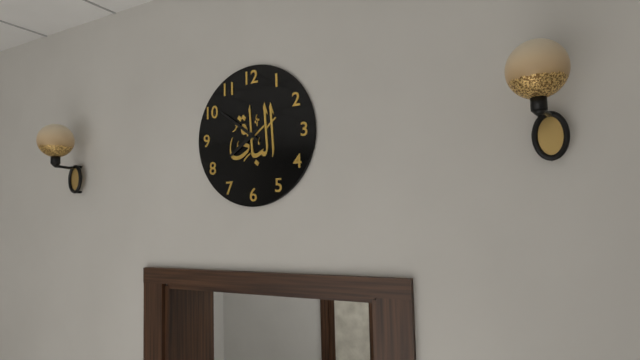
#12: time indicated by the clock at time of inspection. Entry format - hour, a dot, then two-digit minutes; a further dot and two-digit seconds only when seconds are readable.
7.51
